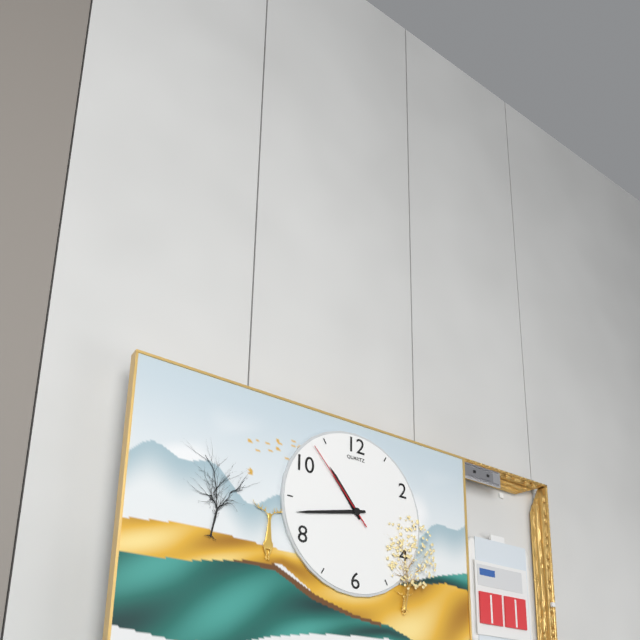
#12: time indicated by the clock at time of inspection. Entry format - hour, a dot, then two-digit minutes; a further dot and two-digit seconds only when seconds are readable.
10.43.53
